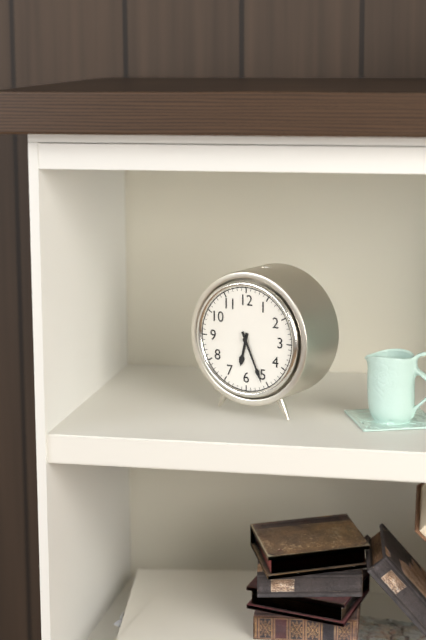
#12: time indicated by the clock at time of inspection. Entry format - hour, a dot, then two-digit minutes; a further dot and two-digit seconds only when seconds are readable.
6.26
